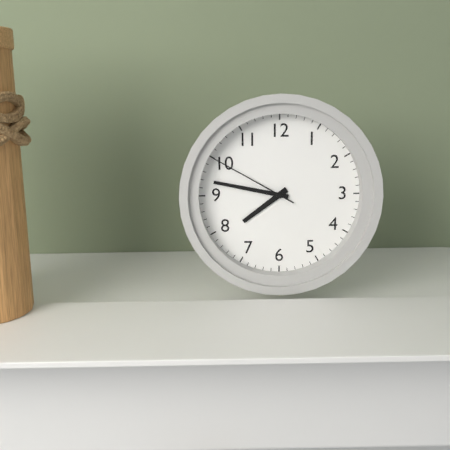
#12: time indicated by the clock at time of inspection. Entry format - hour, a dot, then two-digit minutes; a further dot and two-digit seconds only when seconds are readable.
7.47.50
